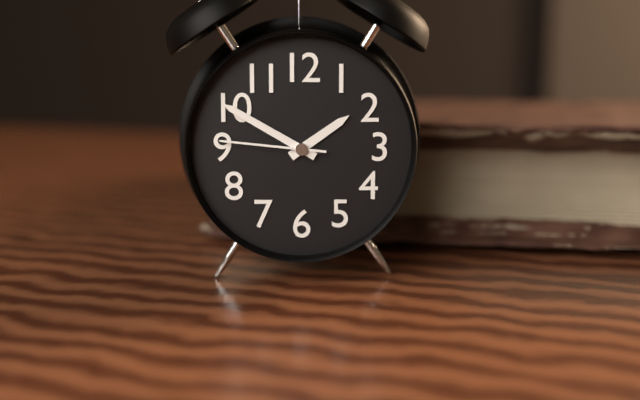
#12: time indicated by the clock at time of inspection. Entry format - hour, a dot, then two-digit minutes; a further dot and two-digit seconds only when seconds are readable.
1.50.46
